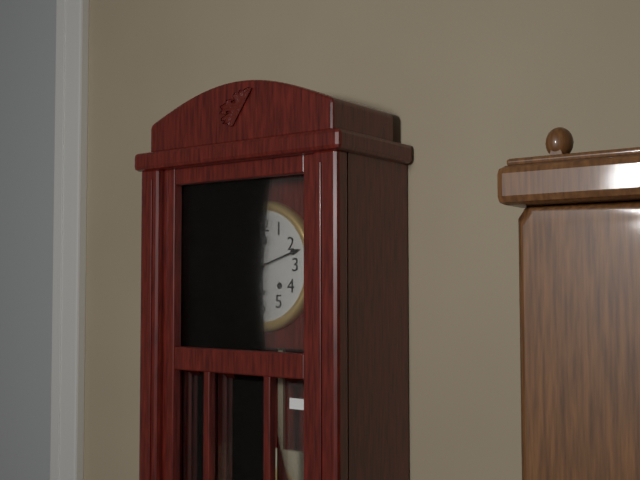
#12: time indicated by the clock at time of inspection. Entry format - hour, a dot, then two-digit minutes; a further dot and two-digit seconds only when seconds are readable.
12.12
